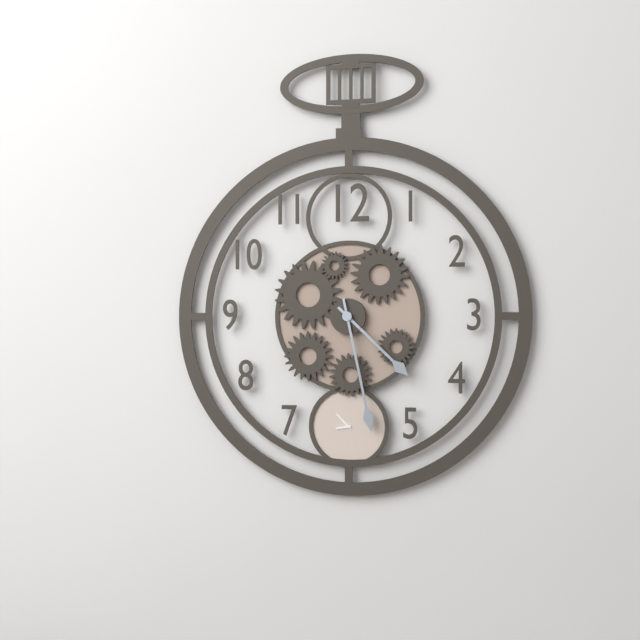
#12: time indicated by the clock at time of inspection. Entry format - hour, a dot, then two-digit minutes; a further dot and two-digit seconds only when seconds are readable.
4.28
